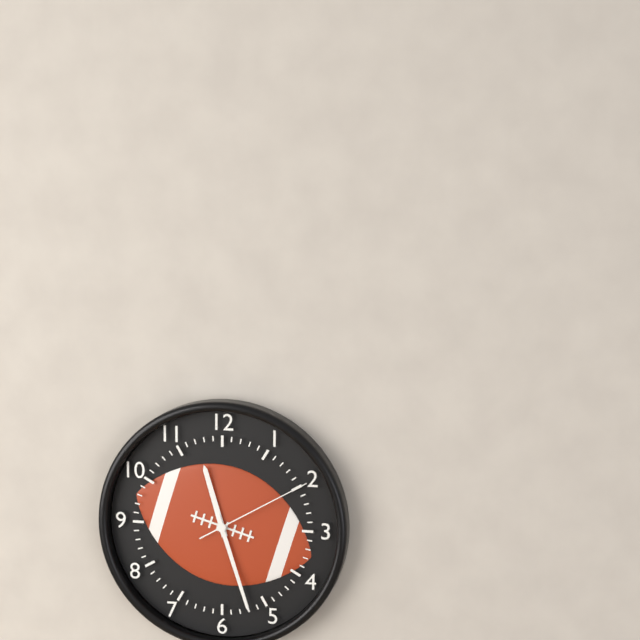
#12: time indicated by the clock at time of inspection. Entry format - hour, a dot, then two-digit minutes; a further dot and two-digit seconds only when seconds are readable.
11.27.10
